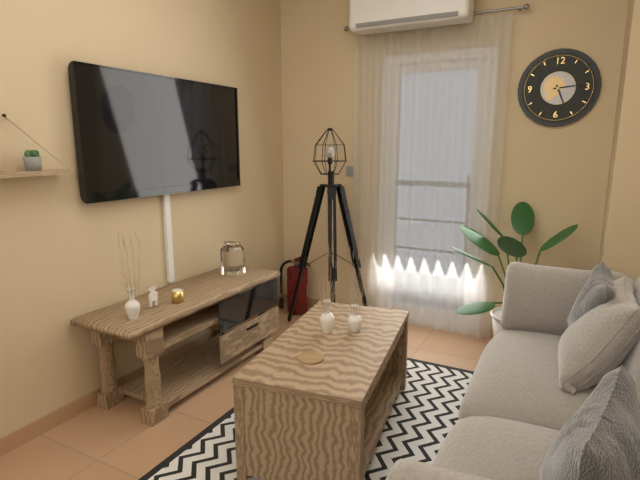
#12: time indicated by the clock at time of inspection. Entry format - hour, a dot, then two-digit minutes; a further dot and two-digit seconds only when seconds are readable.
5.14
